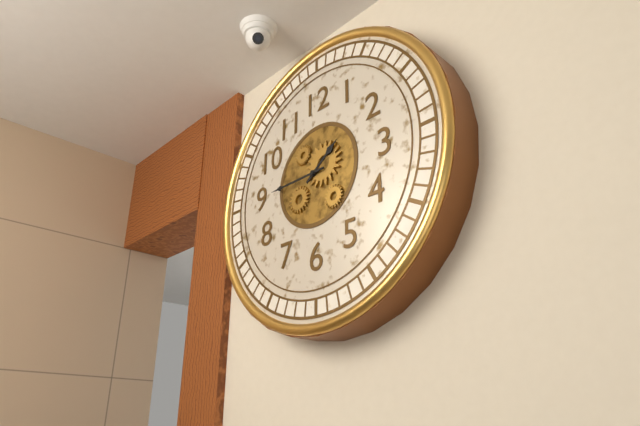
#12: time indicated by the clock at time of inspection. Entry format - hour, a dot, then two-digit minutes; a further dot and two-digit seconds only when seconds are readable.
1.45
